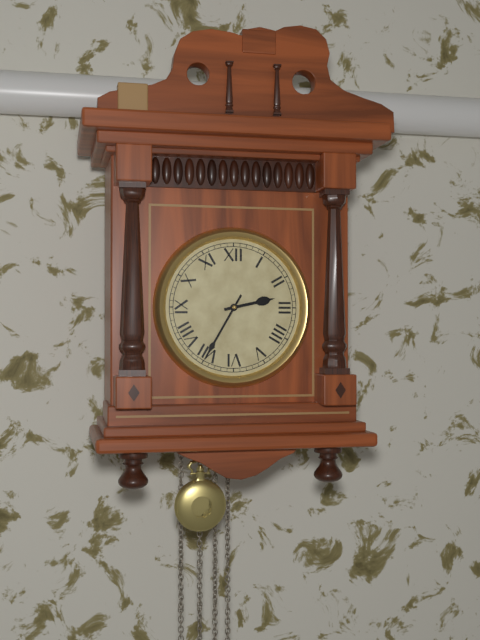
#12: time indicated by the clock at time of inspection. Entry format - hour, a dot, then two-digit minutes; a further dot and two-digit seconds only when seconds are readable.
2.35
